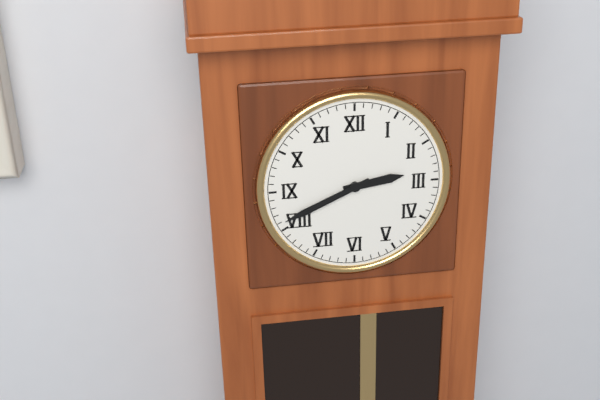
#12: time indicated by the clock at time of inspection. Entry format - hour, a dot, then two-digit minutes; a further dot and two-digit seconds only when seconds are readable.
2.41
